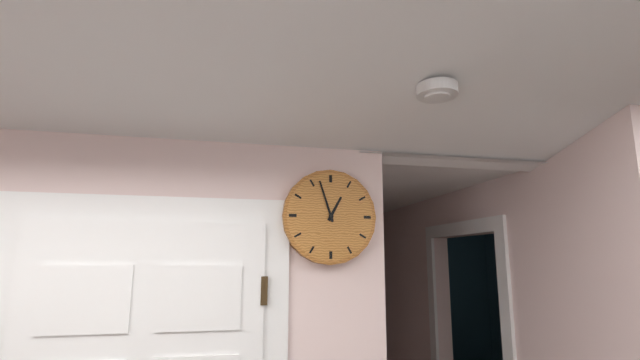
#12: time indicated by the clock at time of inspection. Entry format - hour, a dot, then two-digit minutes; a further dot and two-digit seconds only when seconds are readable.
12.57
